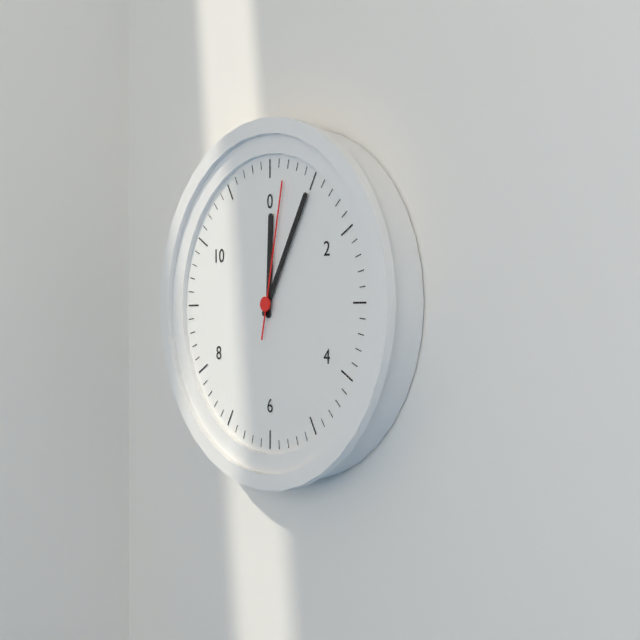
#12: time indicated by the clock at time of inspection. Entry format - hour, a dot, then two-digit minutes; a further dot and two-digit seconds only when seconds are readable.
12.05.02
